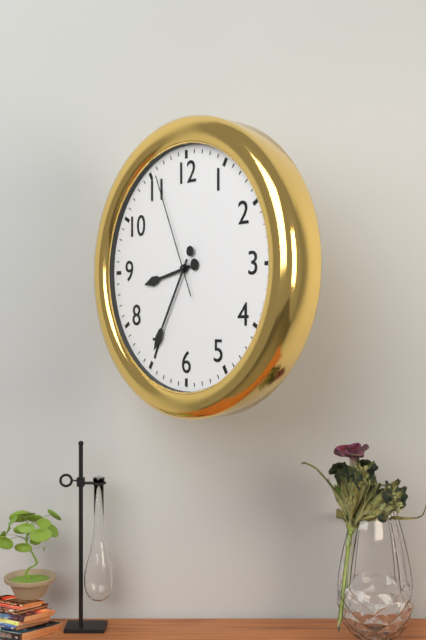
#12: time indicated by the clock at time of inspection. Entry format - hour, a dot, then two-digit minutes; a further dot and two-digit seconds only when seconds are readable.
8.35.56
